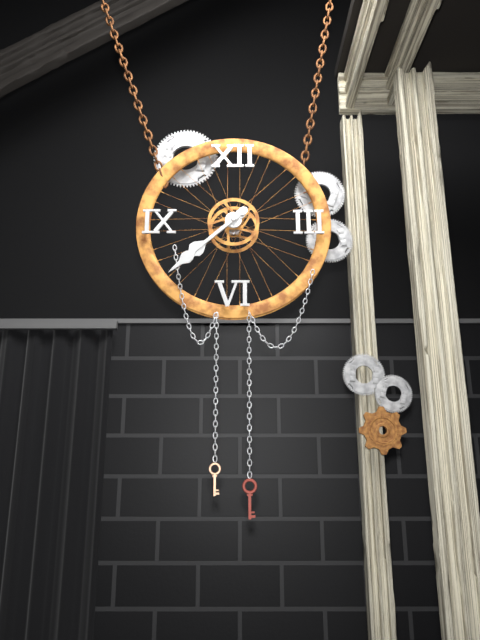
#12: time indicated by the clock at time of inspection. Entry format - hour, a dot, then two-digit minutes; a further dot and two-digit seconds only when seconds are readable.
7.38
